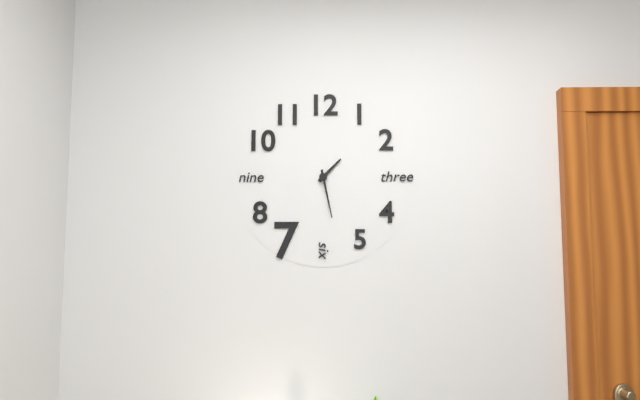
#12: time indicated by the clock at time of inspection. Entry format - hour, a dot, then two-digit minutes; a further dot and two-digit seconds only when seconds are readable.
1.28
